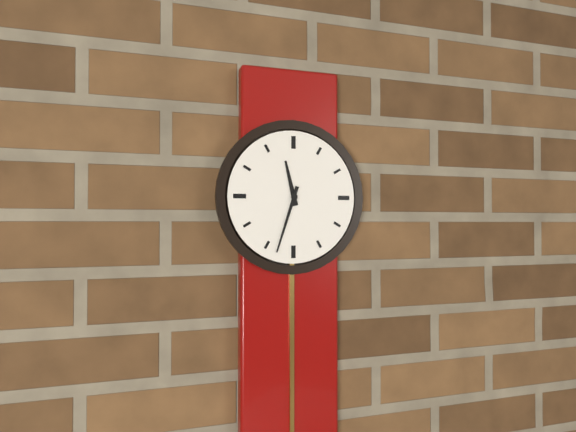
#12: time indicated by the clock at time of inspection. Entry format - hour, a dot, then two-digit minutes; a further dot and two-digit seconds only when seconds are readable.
11.33
